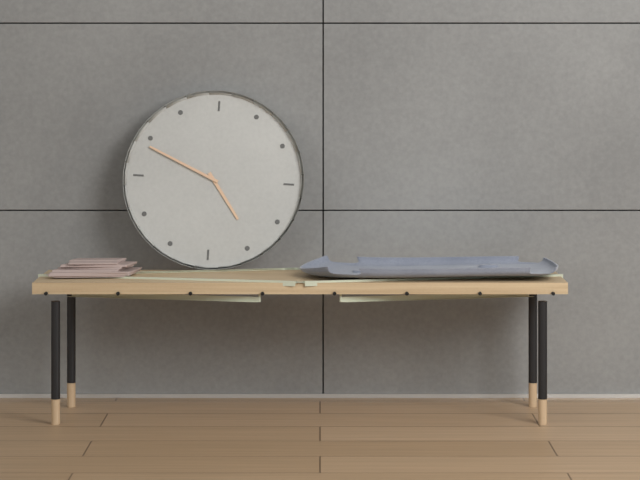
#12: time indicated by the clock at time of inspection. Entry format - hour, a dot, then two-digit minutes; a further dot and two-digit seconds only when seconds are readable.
4.49
